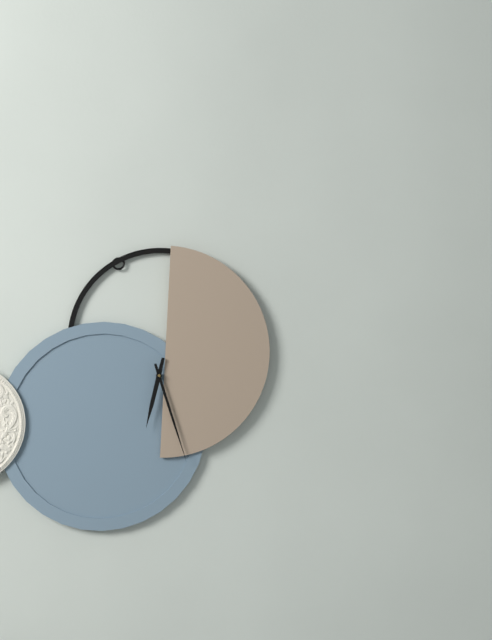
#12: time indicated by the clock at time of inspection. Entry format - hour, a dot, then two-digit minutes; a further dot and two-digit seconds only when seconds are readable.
6.27
